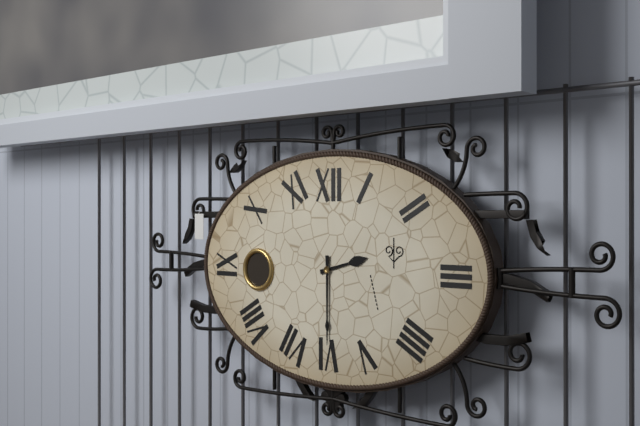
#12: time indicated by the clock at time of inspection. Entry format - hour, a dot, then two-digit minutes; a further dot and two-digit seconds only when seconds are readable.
2.30
